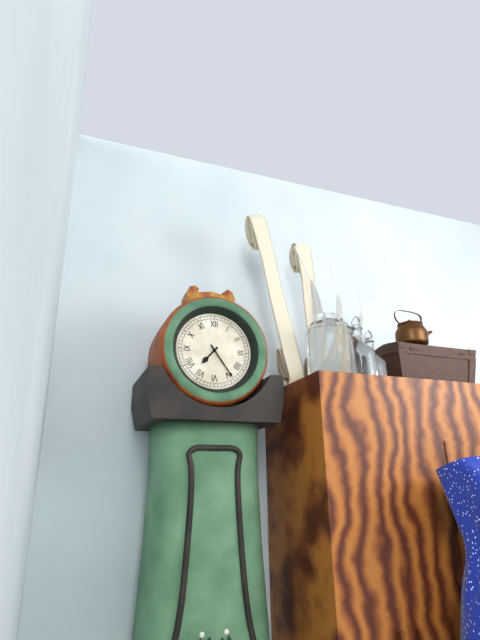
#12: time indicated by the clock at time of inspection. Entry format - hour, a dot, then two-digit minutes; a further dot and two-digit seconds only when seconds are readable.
7.24
